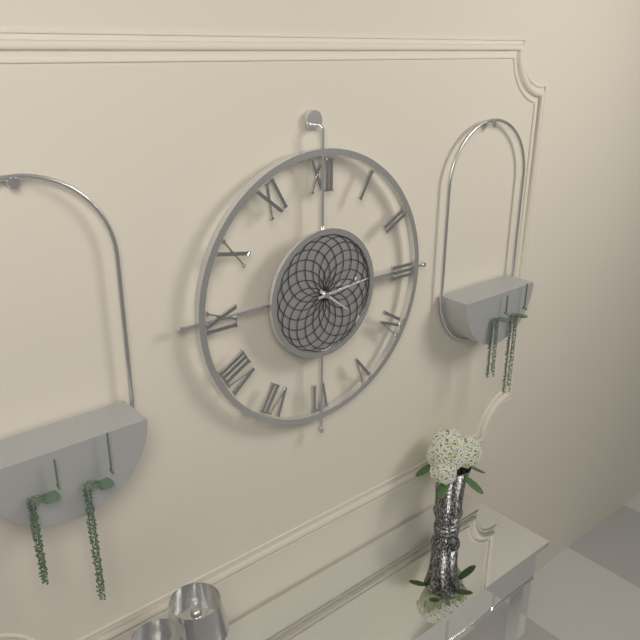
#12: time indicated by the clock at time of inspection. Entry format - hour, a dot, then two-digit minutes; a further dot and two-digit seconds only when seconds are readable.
4.14
